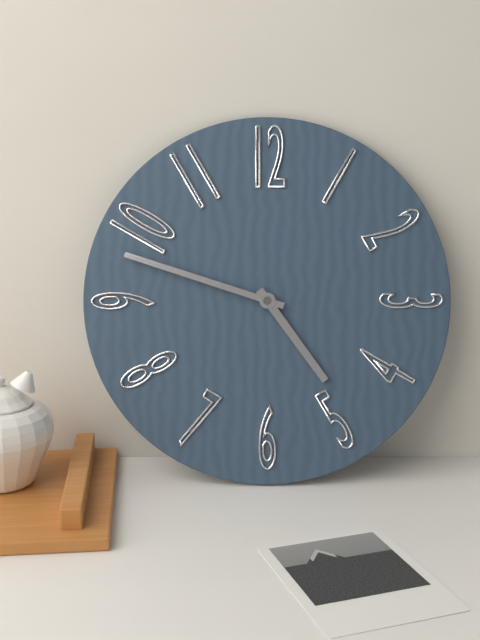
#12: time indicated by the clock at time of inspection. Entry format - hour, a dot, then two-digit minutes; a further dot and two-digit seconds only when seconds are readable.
4.48
